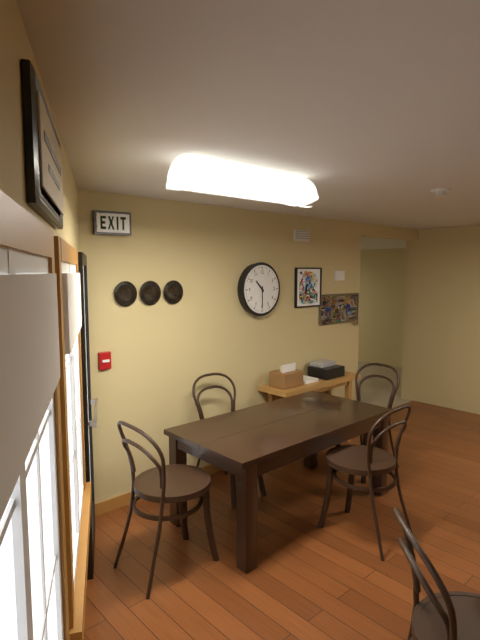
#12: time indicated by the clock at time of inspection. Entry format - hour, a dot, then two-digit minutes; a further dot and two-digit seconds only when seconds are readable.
10.30
